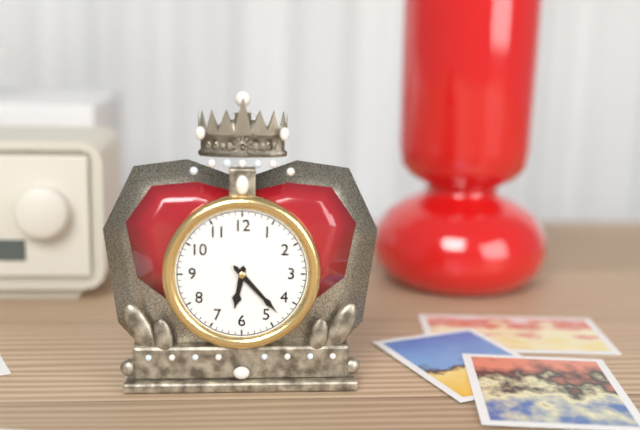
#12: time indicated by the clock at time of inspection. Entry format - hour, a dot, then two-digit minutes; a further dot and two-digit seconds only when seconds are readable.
6.23
